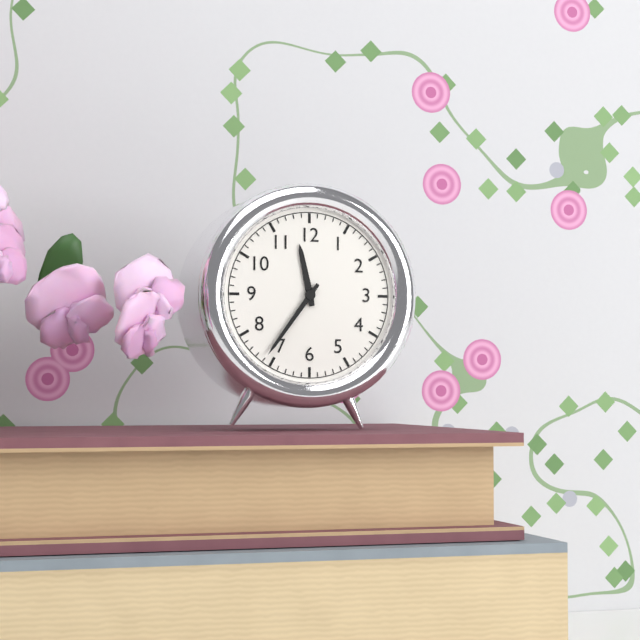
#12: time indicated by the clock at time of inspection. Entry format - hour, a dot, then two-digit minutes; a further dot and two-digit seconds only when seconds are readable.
11.36
